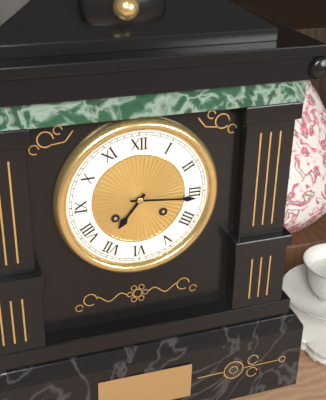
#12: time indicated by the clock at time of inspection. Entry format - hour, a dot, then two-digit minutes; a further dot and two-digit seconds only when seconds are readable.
7.16
